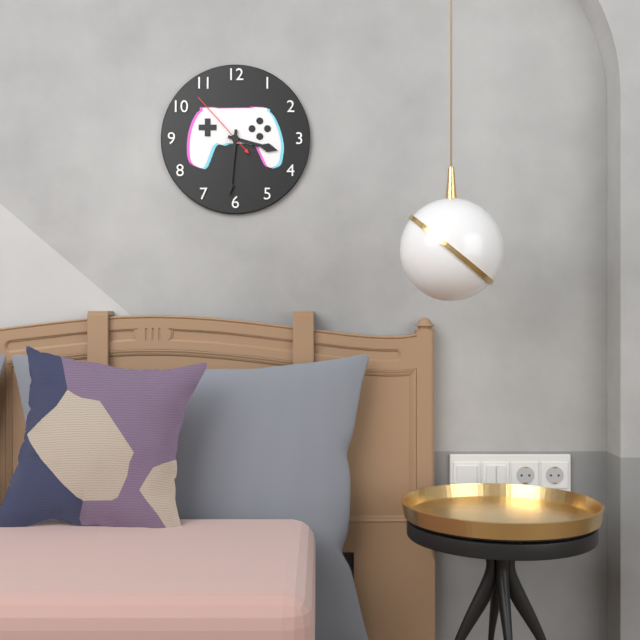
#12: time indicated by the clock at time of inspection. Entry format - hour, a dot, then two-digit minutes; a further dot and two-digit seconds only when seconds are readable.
3.31.53
